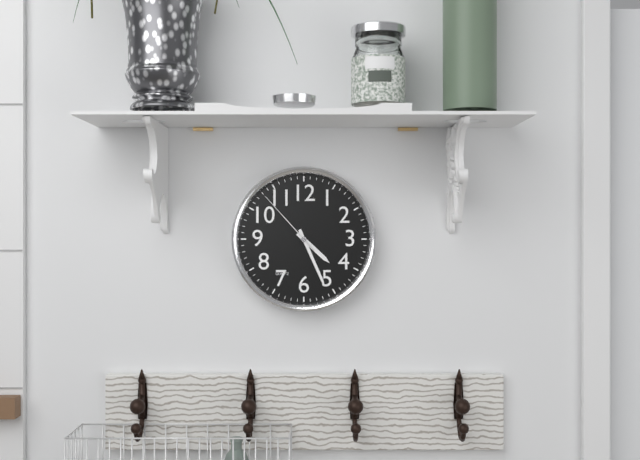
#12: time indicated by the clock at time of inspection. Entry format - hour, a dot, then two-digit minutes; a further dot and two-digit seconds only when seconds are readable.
4.26.53
